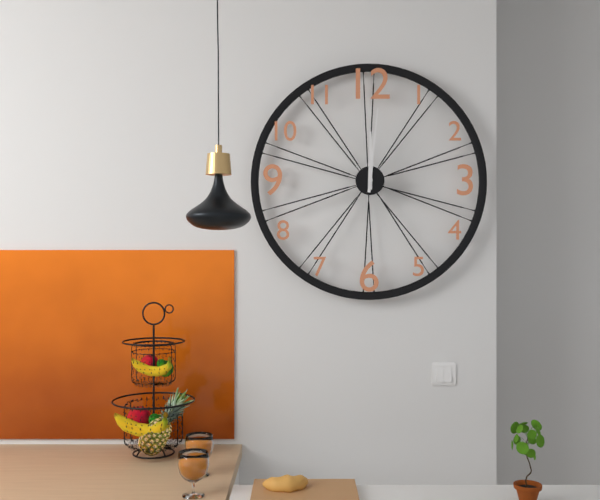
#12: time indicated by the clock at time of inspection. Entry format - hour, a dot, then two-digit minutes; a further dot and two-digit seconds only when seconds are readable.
12.01
